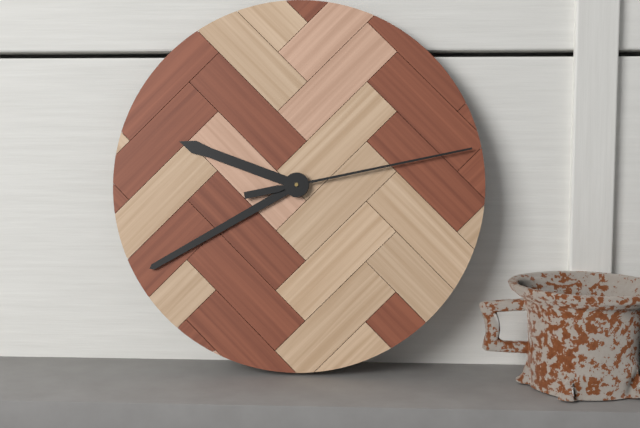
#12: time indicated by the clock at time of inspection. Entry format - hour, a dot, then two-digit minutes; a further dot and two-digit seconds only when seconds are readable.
9.40.13
